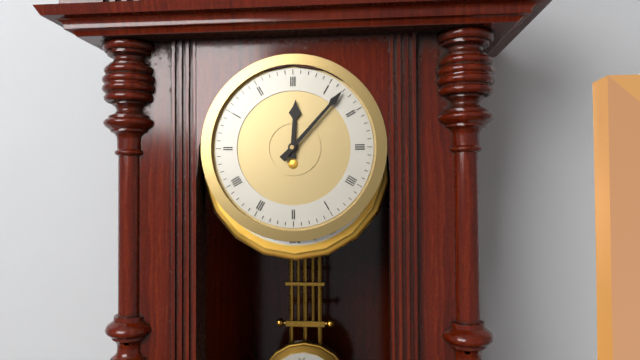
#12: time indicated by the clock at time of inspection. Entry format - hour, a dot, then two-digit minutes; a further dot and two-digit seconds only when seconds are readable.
12.07
